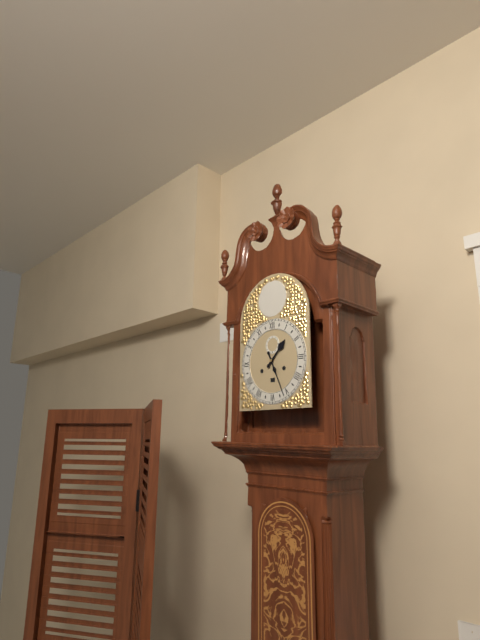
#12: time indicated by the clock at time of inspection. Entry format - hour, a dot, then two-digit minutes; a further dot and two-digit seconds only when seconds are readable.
1.26
